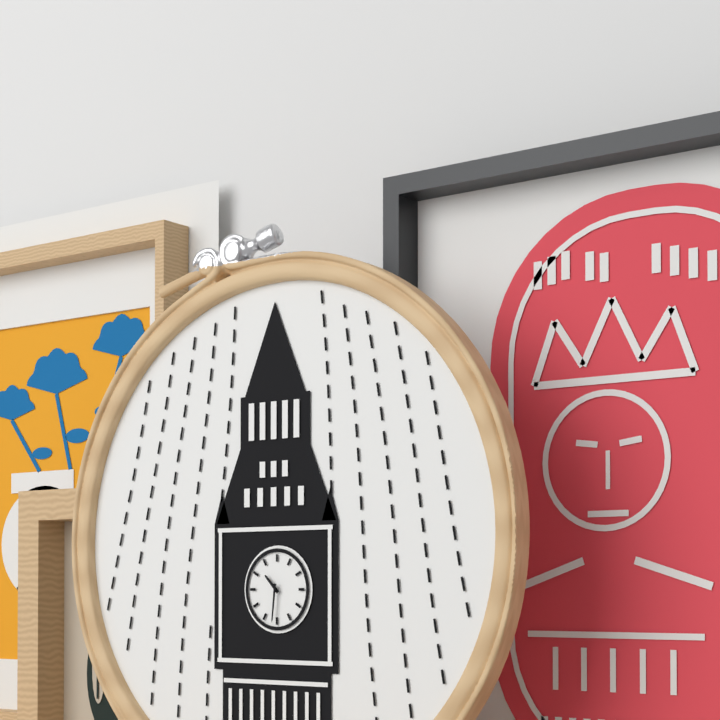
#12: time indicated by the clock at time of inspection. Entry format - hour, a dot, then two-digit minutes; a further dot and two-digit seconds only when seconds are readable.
10.31
